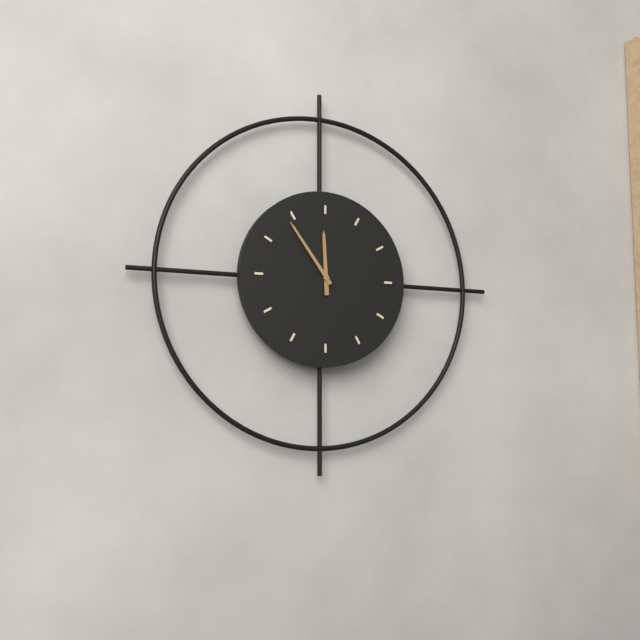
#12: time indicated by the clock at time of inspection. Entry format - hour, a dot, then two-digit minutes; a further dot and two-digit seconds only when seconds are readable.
11.54
